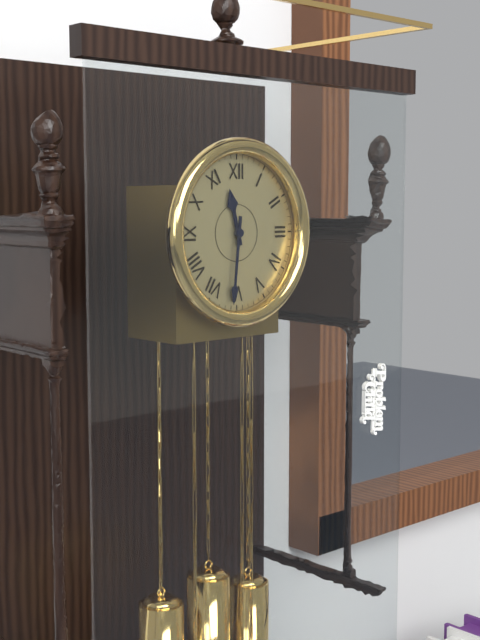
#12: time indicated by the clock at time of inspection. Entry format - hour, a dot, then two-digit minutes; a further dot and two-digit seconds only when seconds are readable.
11.31
